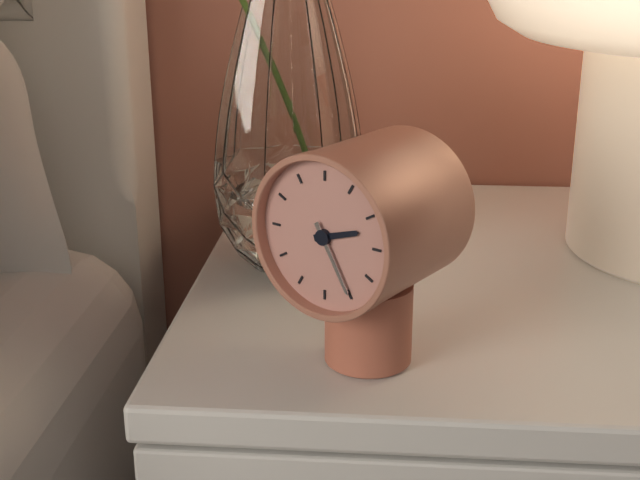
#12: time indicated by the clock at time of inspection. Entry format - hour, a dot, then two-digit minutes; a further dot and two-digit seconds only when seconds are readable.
2.25
